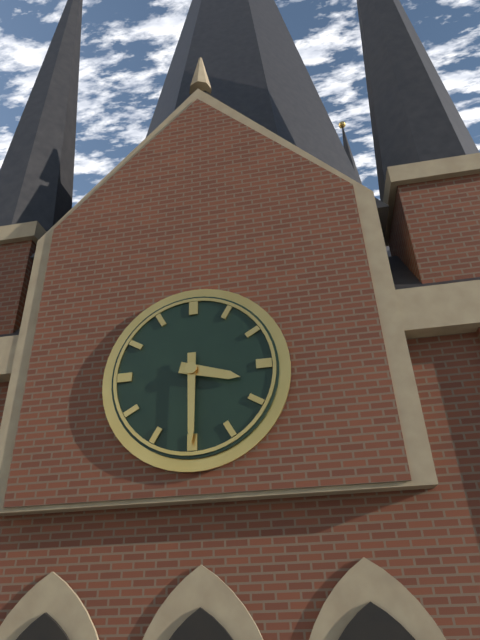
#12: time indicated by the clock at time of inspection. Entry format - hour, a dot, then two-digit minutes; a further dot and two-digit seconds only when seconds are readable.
3.30
